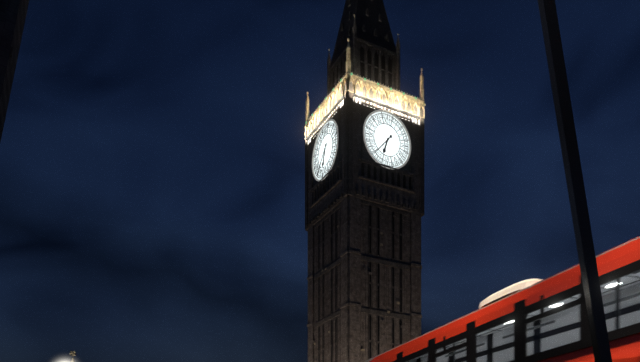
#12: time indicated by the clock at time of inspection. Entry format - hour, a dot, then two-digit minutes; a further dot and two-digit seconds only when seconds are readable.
6.37
